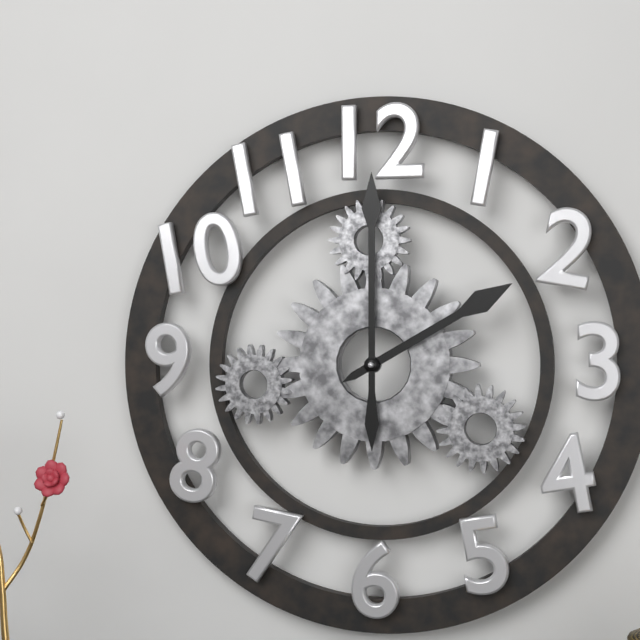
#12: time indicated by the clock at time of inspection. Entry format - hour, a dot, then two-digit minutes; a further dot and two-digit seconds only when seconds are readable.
2.00
